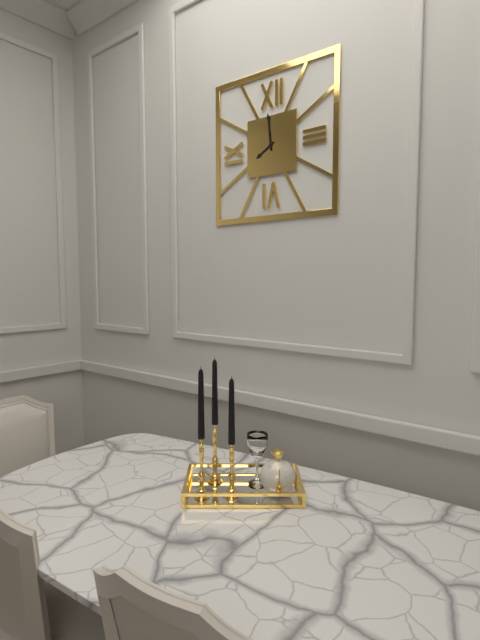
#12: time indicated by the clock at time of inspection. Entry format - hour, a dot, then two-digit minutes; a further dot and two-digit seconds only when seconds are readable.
7.59
